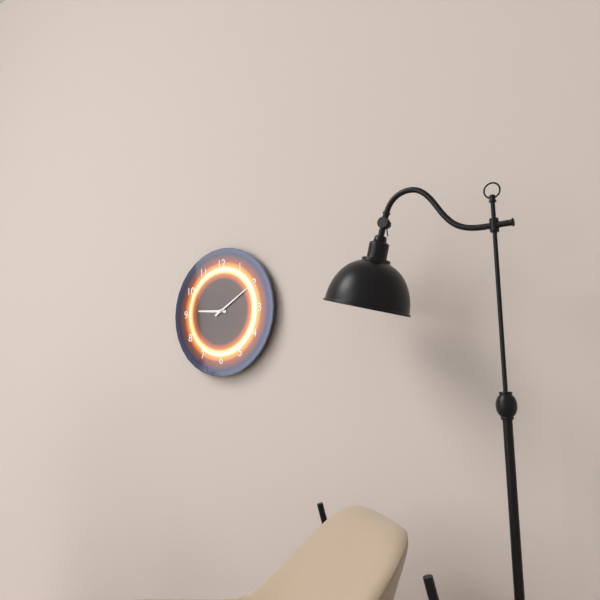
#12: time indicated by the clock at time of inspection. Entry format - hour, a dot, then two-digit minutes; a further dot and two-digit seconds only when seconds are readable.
9.10
